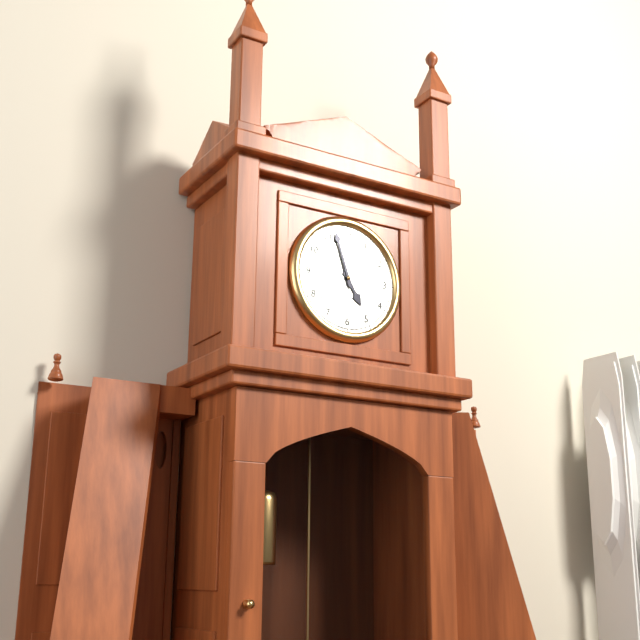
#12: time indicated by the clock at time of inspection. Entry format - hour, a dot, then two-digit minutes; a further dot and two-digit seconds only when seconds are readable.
4.57
